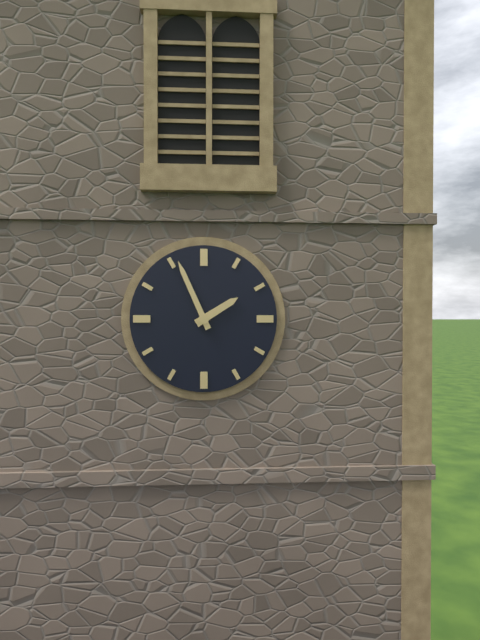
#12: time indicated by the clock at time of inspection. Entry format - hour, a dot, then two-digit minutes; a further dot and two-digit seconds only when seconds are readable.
1.56
